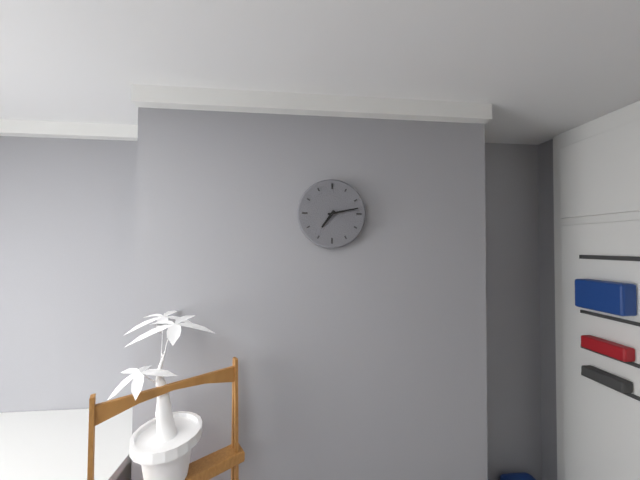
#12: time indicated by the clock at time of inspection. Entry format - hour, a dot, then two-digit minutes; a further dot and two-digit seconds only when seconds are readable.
7.13
